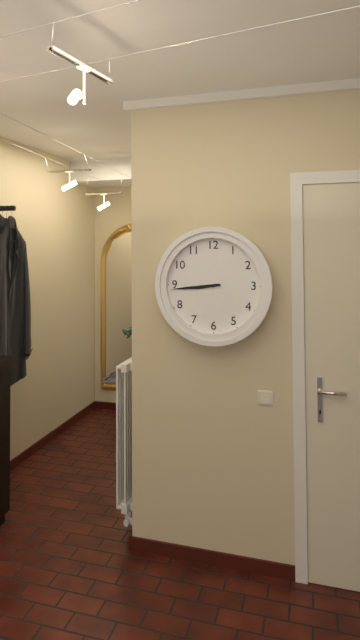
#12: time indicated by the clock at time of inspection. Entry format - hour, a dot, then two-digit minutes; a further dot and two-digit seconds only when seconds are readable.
8.44
